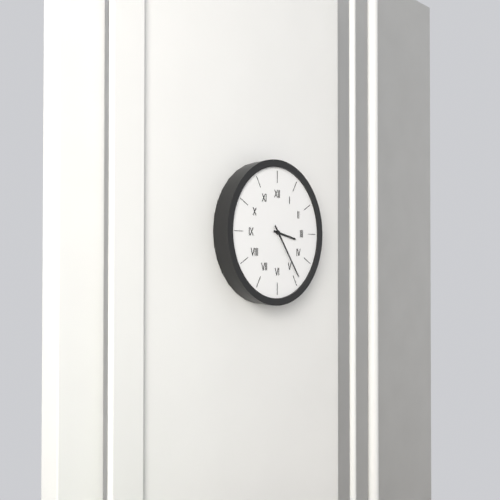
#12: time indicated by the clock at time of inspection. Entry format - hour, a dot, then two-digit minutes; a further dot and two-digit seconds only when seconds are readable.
3.24
